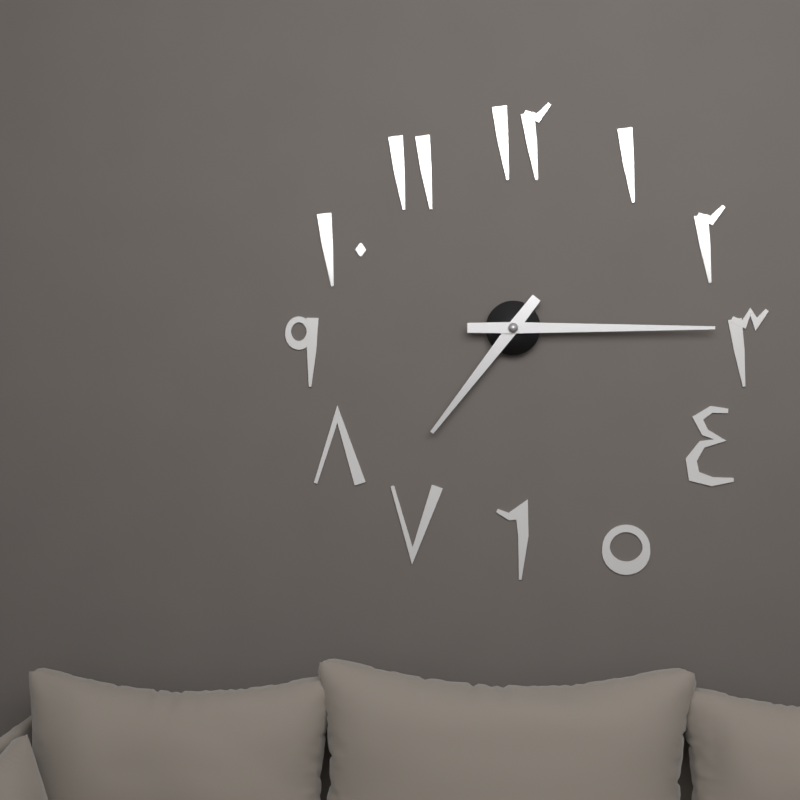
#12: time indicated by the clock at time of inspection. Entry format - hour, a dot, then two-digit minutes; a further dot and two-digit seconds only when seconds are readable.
7.15
